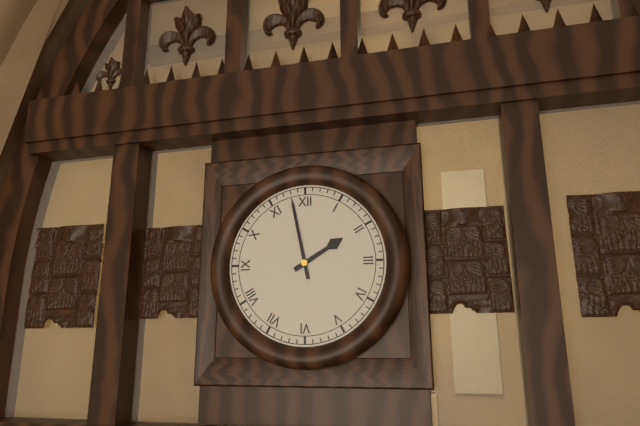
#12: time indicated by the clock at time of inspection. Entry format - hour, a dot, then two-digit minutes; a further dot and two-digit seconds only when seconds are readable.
1.58
